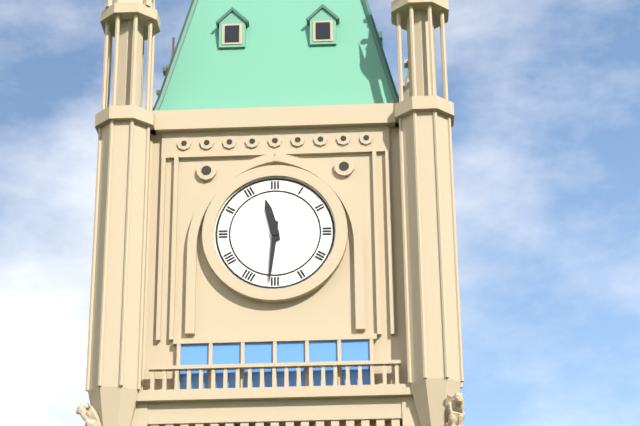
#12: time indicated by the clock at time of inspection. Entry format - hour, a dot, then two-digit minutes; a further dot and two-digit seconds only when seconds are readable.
11.31
